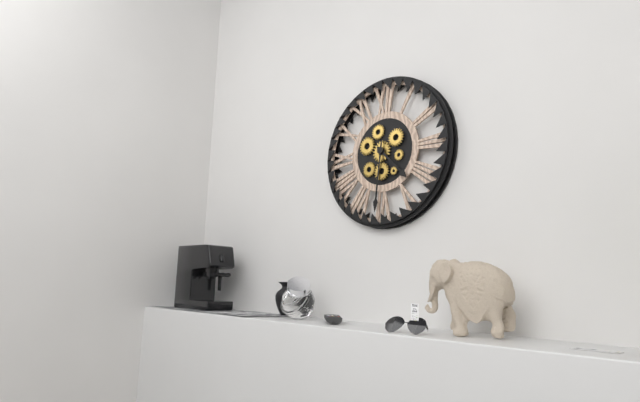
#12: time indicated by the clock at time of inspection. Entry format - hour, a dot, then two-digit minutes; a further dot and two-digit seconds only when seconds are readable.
4.31
